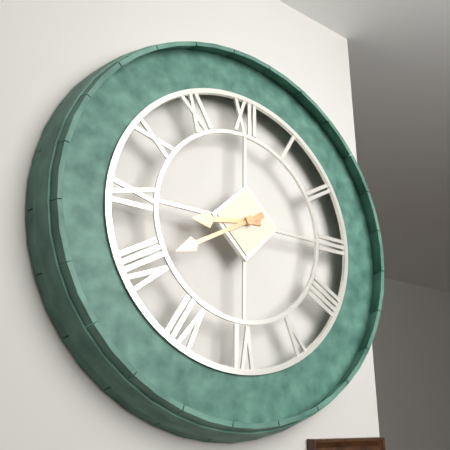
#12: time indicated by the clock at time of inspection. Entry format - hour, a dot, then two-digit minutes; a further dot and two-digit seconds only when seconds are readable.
8.40
